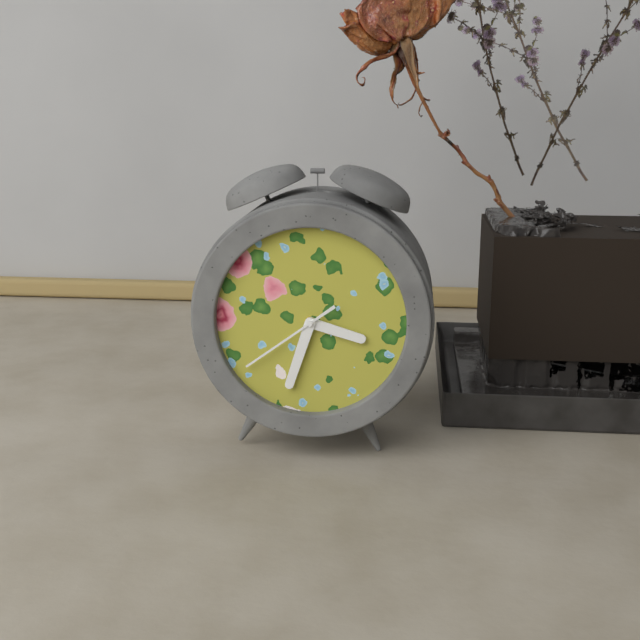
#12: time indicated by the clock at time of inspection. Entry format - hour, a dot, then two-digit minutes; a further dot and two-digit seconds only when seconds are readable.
3.33.39
